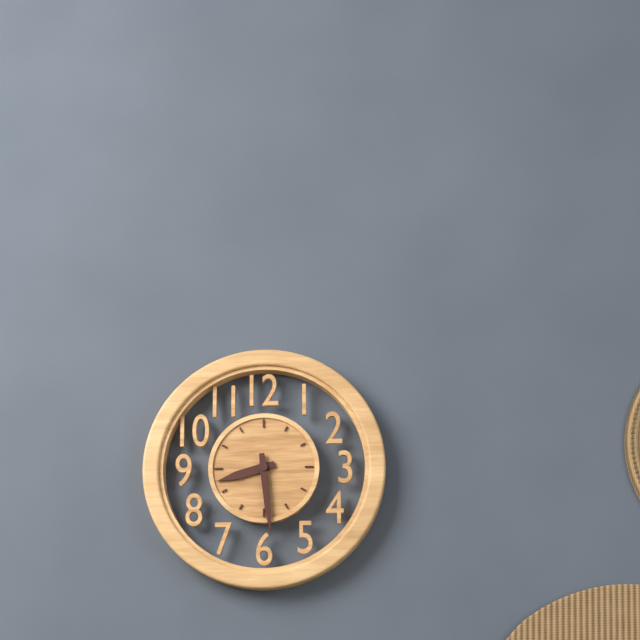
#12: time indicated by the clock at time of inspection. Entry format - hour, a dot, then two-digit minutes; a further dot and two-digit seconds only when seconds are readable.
8.29
